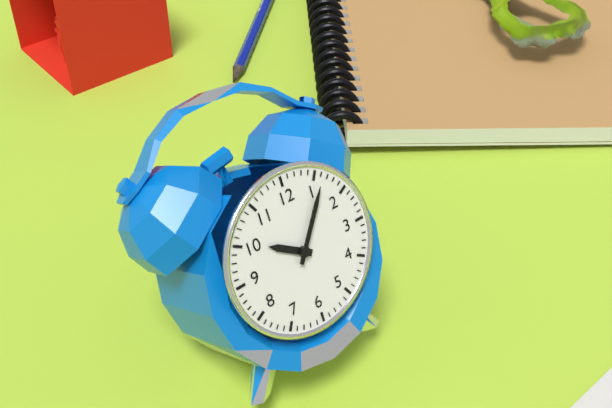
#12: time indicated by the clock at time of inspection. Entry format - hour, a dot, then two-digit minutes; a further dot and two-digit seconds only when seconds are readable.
10.06
